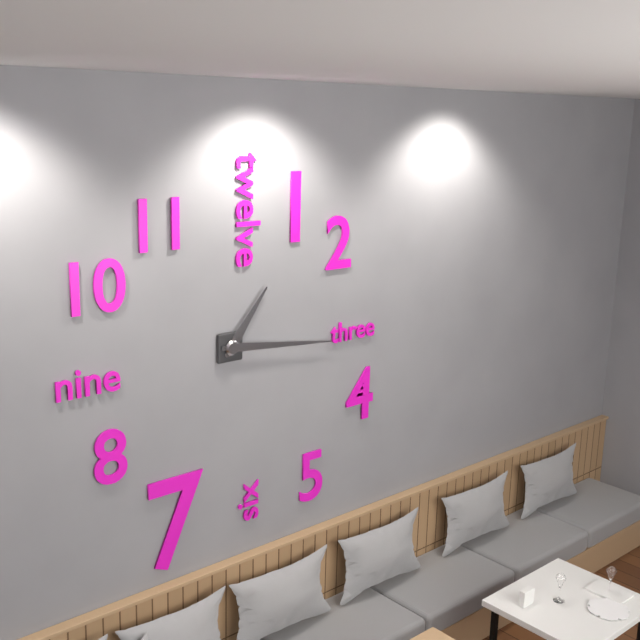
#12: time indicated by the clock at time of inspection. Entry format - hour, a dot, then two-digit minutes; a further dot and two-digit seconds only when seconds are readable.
1.16
